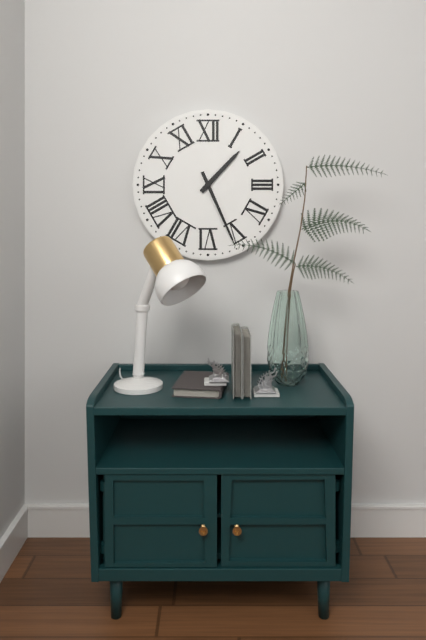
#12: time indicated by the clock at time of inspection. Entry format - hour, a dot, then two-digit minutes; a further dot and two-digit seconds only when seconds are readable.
1.26
